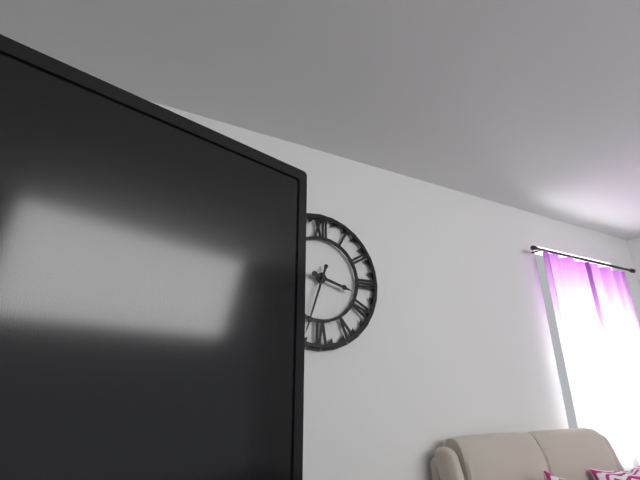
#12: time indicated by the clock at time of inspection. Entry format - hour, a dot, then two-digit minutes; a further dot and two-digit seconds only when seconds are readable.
3.33
